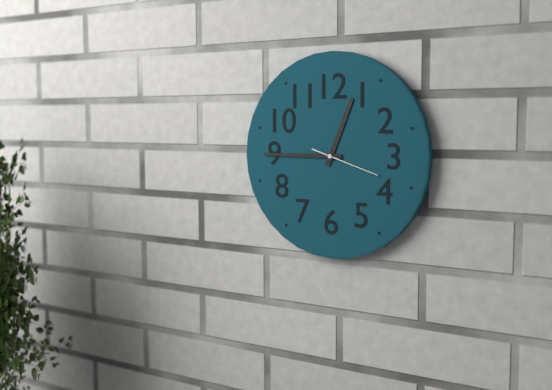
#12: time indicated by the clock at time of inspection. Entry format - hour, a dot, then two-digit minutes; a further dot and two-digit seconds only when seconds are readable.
12.45.18
